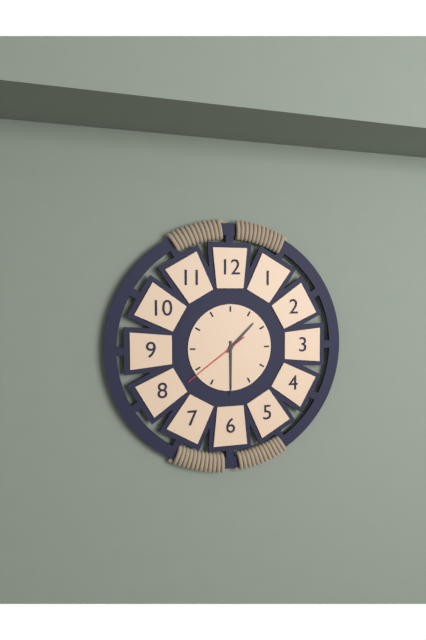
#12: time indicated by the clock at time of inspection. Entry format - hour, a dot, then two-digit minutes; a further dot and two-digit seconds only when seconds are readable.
1.30.39
